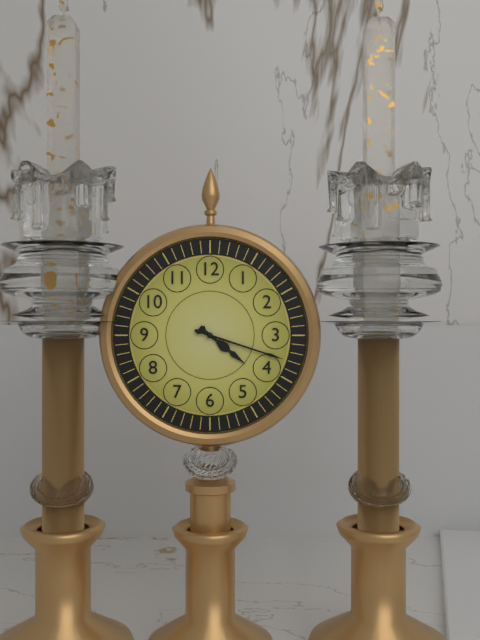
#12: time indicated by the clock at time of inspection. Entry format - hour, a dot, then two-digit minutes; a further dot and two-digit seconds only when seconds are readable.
4.18
